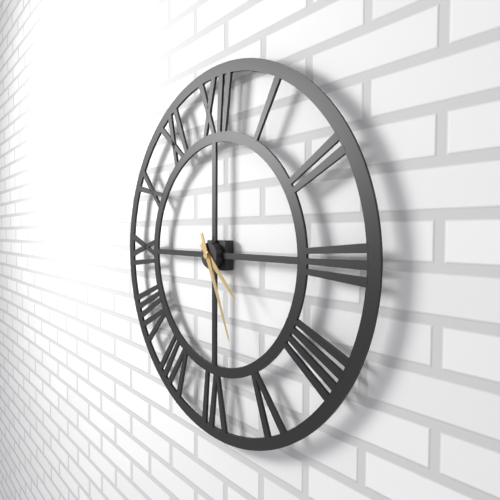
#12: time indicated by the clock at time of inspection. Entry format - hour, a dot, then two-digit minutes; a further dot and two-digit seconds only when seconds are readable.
4.26
